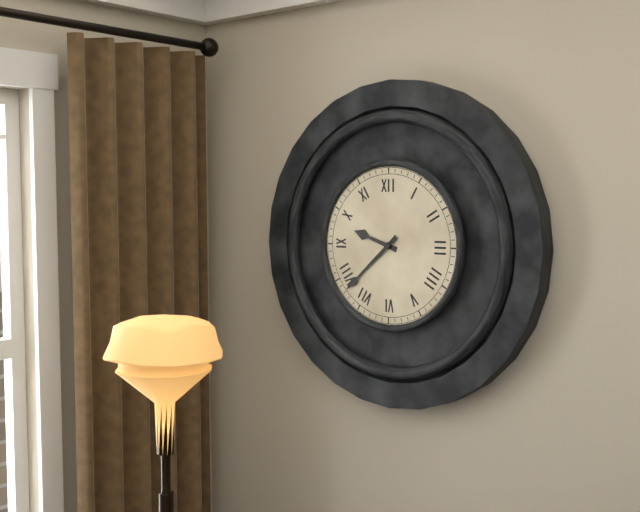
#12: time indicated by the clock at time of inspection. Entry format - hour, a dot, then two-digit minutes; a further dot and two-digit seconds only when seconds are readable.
9.38
